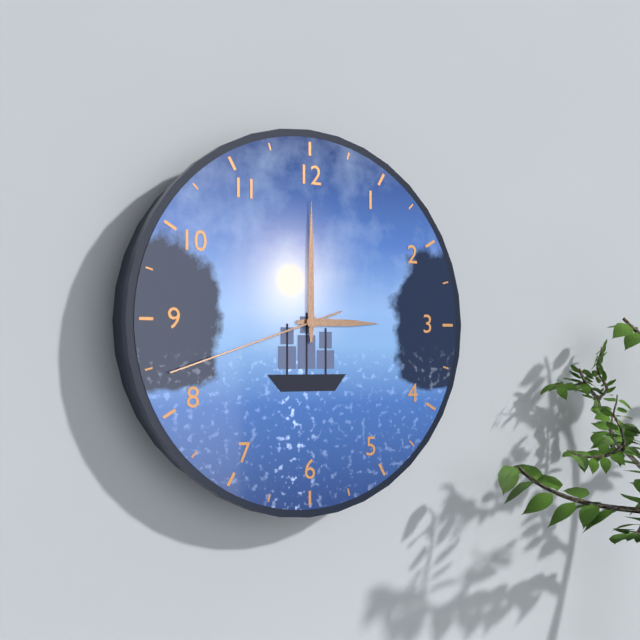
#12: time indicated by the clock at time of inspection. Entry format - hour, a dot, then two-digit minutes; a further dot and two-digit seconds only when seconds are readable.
3.00.42
